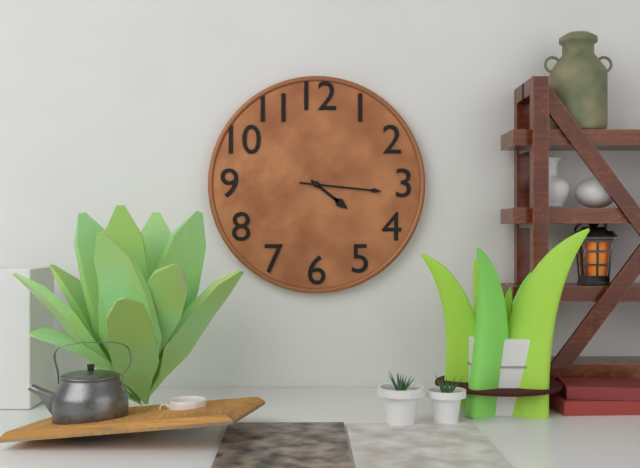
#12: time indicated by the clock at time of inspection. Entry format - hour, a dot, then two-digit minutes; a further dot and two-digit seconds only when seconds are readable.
4.16
